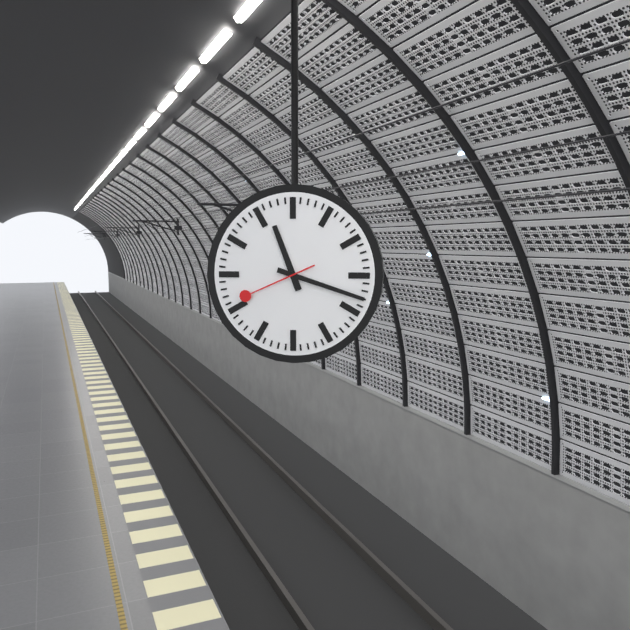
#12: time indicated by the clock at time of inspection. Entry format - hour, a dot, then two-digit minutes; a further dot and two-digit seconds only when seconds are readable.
11.18.41
